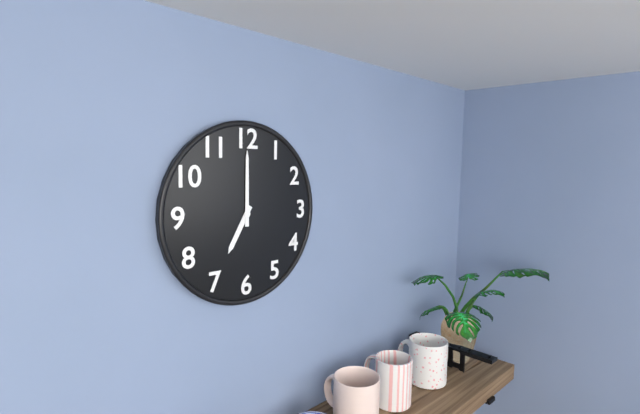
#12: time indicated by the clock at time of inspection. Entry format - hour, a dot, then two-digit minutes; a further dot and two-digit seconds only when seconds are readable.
7.00
